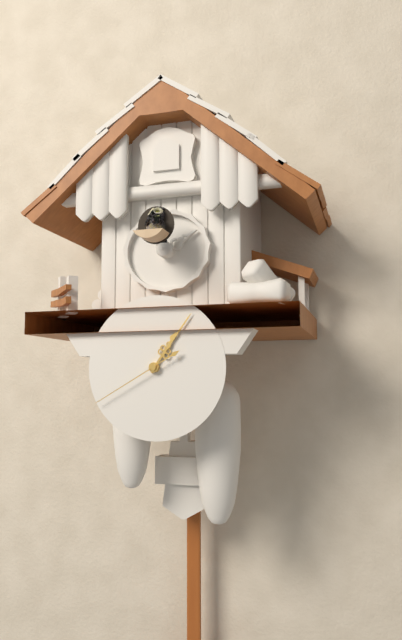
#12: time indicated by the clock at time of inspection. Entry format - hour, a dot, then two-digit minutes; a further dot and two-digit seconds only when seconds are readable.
1.06.40
